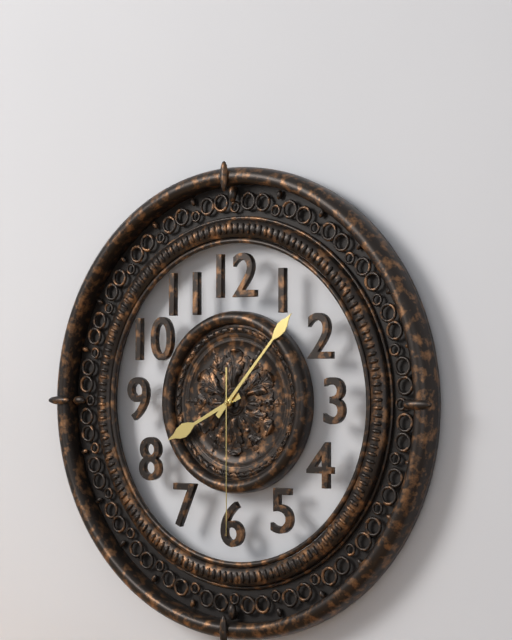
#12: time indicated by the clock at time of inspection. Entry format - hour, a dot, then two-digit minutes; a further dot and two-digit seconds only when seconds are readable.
8.07.30
